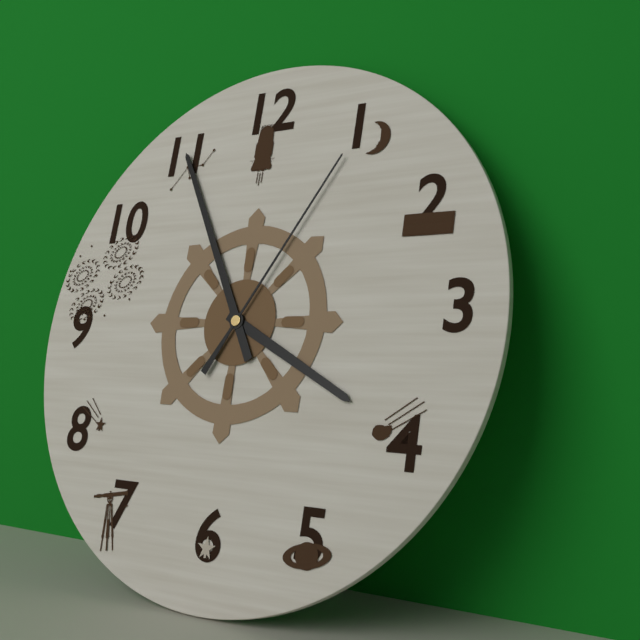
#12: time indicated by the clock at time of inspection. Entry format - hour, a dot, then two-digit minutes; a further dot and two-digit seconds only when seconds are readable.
3.55.05
